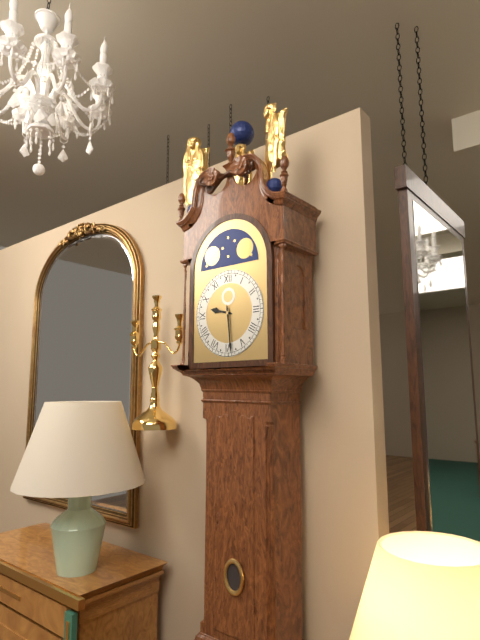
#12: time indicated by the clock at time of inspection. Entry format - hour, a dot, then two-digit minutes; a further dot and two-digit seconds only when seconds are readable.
9.29
